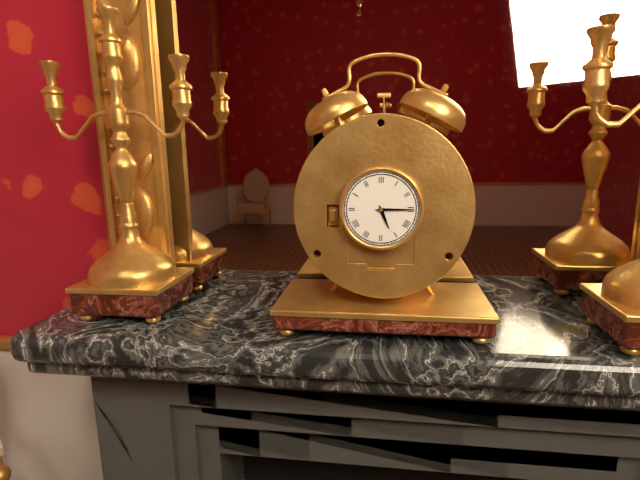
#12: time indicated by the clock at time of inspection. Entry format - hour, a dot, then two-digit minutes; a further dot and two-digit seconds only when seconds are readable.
5.15
